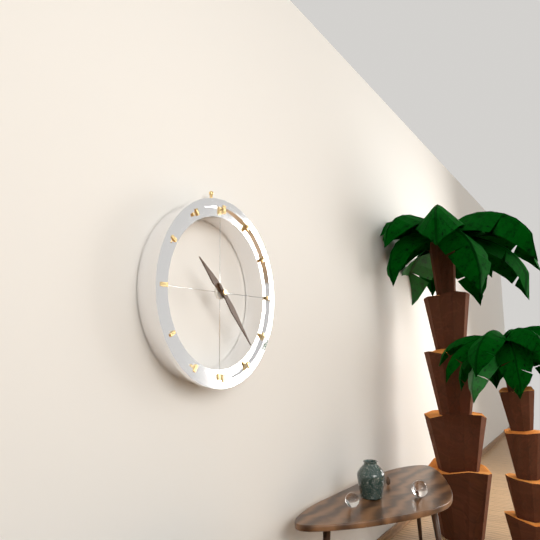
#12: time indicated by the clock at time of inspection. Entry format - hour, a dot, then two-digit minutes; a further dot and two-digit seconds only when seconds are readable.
10.23
